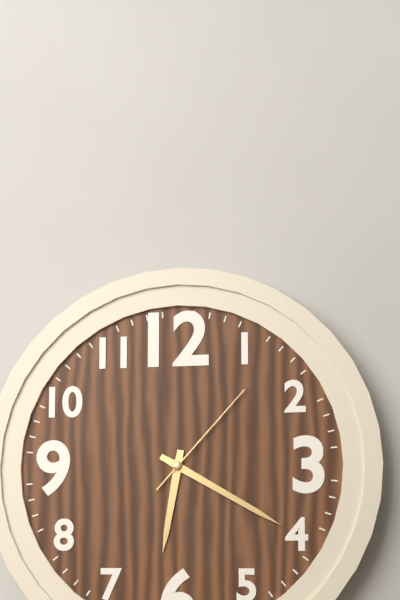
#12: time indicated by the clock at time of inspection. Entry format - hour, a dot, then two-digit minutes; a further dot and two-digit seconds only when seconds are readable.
6.20.07
